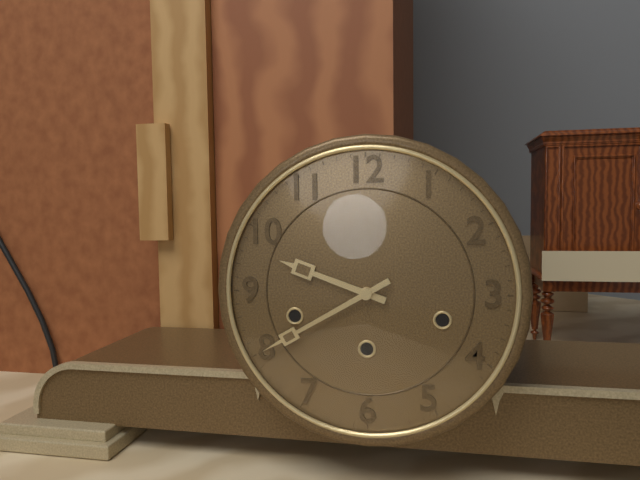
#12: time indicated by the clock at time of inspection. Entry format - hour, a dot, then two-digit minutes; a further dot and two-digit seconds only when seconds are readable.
9.40
